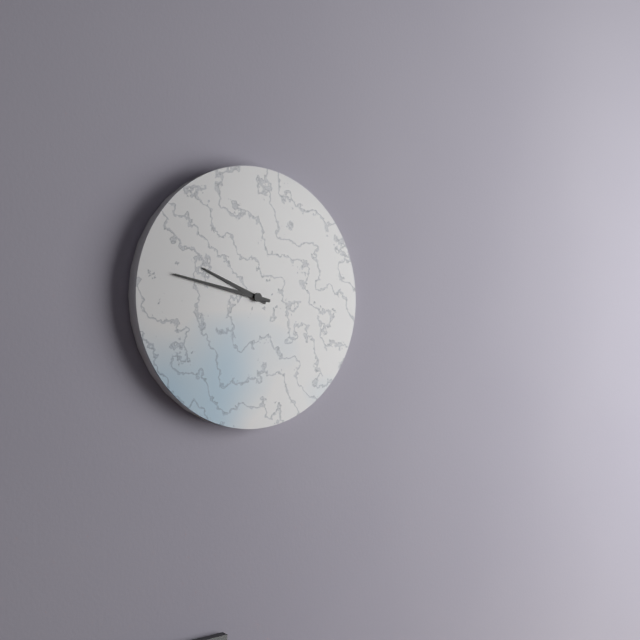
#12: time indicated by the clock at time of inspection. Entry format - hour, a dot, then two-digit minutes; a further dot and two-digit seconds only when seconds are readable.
9.47
